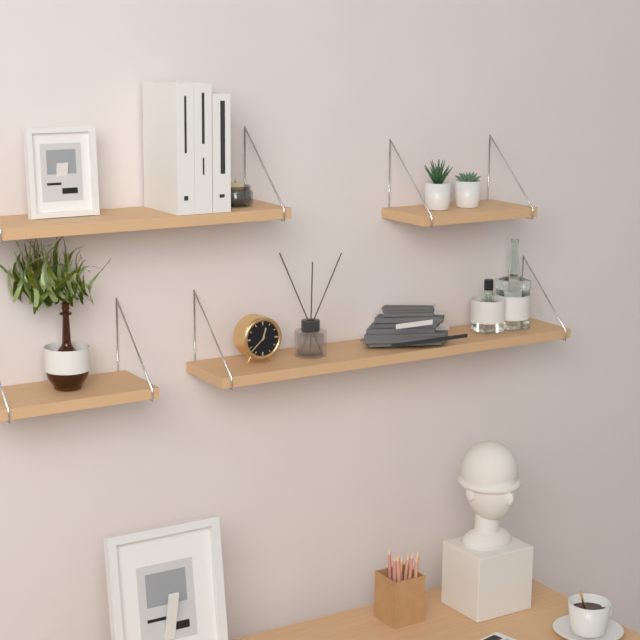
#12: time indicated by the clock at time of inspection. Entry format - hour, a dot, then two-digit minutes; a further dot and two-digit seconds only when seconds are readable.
12.38
